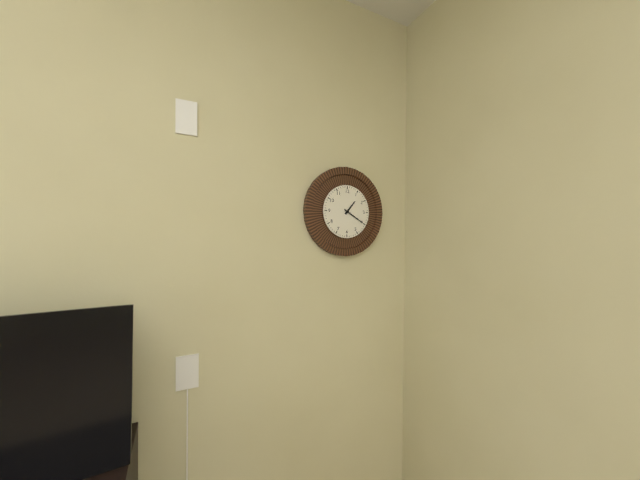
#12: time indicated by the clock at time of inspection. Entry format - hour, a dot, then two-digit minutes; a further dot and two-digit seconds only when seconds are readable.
1.20
